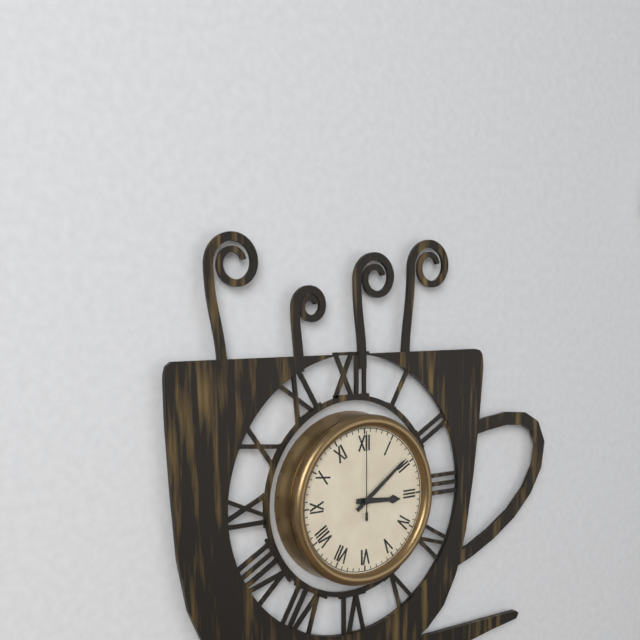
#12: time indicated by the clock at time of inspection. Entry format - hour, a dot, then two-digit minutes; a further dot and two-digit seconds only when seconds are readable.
3.09.00
